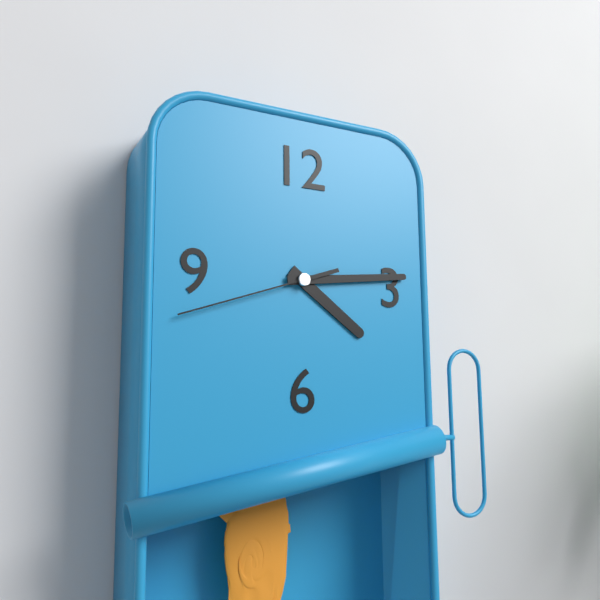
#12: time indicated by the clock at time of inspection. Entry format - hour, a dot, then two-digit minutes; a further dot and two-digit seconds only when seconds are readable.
4.14.42
